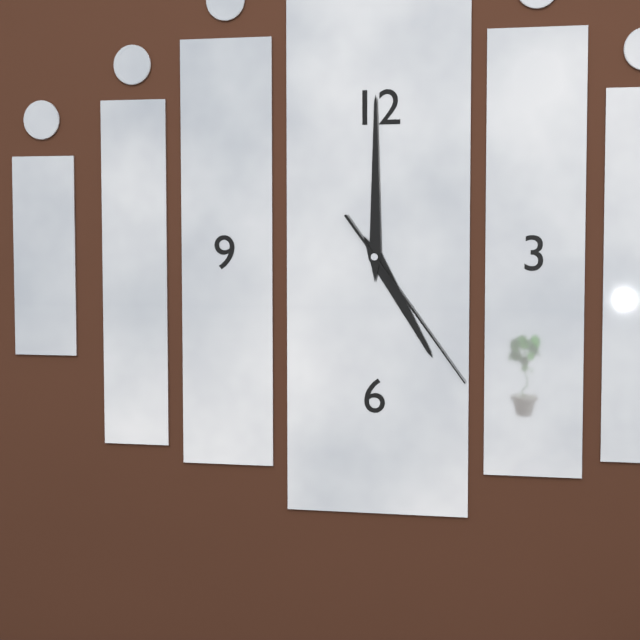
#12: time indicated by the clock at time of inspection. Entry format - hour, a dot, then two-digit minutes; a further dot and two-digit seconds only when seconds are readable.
5.00.24
